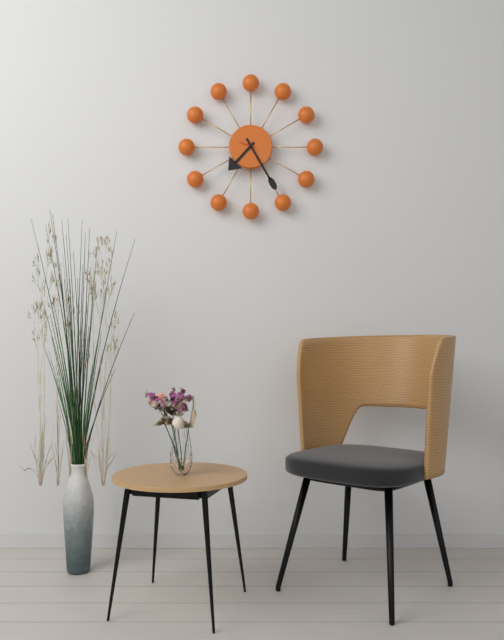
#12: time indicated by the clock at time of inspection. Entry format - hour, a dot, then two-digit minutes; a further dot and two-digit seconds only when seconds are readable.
7.25
